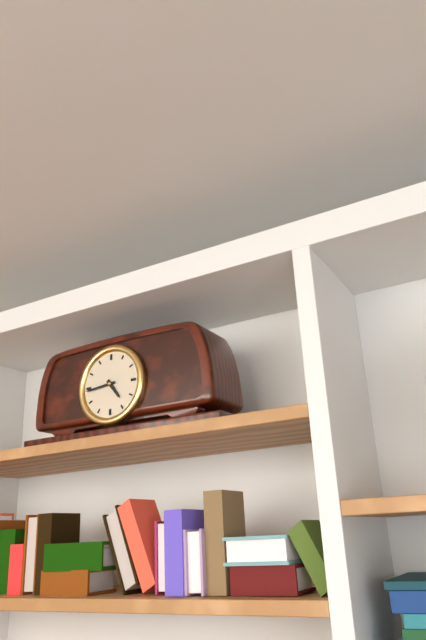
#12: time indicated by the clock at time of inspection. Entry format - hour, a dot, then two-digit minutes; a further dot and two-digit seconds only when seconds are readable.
4.44
